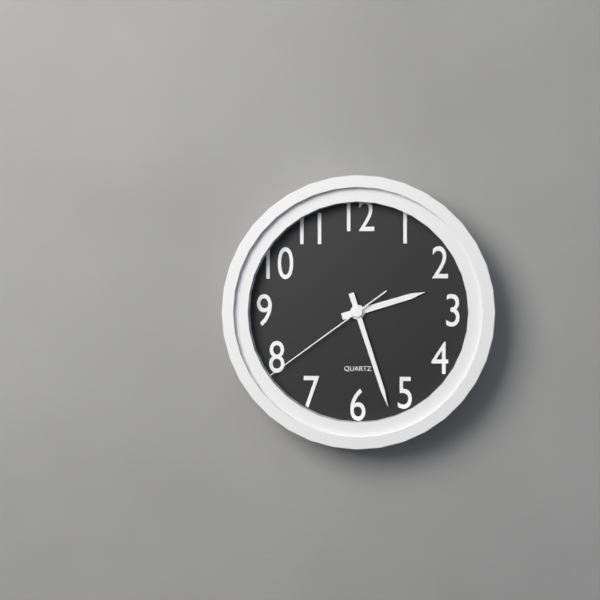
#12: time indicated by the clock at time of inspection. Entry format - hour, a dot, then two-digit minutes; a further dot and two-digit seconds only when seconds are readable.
2.27.39
